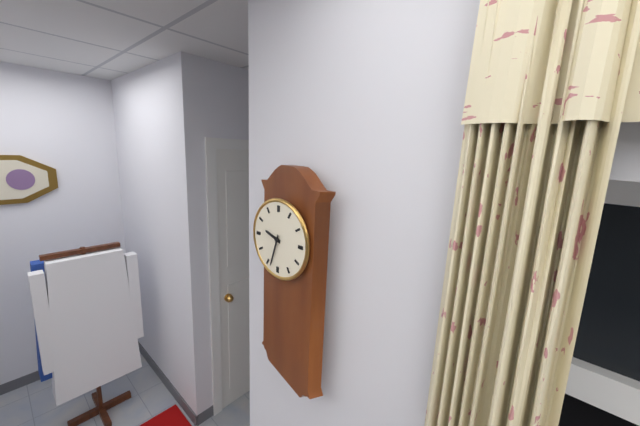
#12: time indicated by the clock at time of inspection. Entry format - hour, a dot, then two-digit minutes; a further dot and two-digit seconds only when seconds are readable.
9.33
